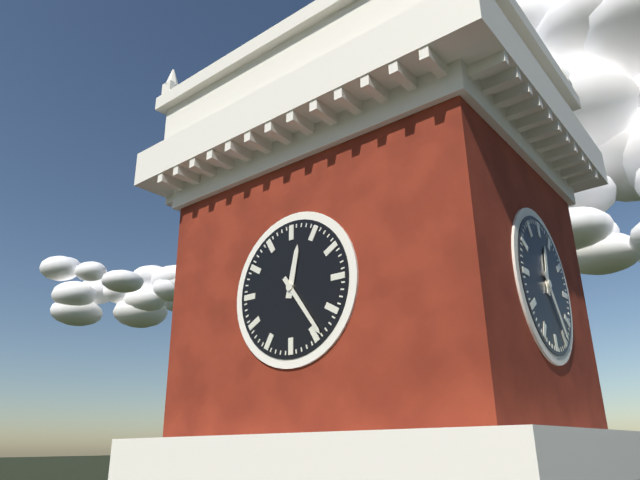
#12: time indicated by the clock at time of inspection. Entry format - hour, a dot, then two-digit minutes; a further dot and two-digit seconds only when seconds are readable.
12.24
